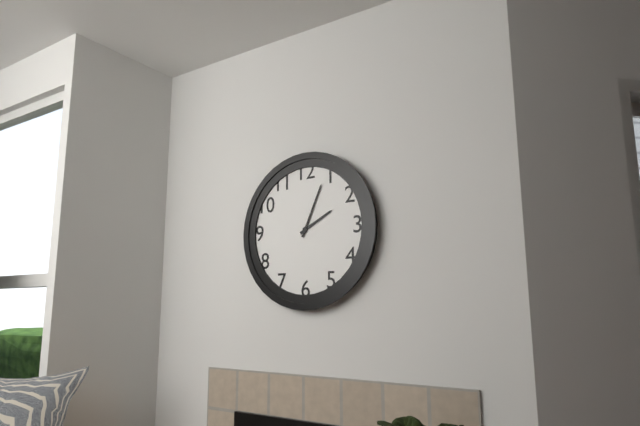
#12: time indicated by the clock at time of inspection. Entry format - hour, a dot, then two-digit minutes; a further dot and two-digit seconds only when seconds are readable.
2.04
